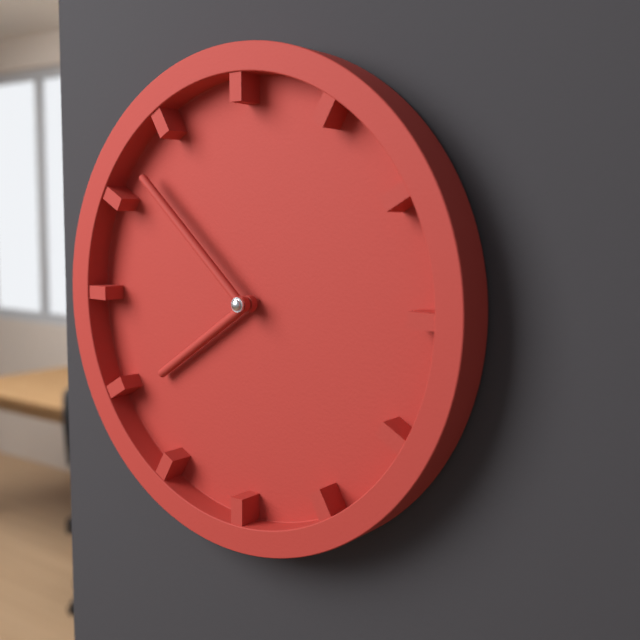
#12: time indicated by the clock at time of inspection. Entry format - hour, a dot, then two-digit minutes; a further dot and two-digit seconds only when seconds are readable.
7.52
